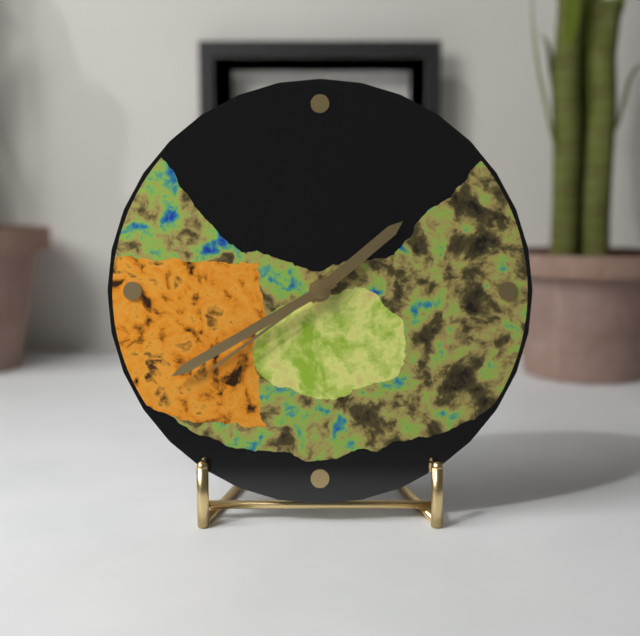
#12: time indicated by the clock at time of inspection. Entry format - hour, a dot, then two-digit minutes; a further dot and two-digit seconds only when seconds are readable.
1.40.39
